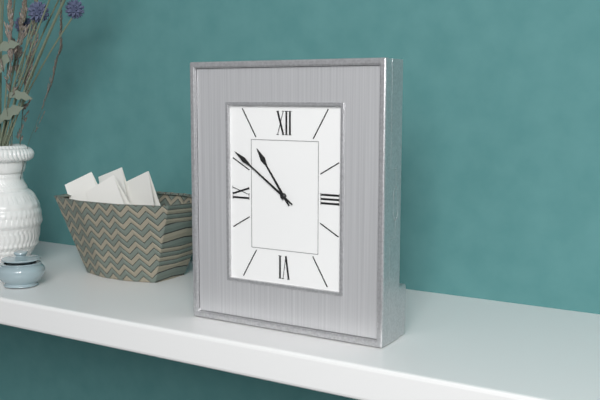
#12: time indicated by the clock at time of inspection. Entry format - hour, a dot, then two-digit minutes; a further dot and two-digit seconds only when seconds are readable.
10.51
